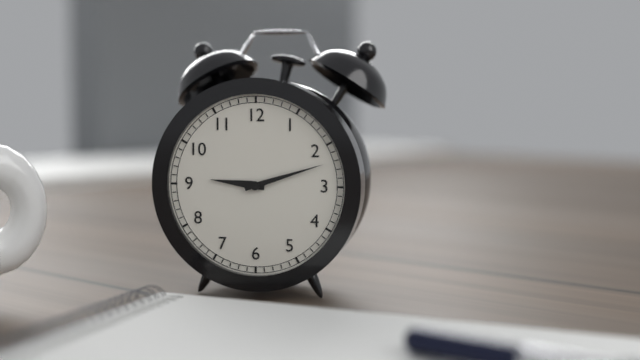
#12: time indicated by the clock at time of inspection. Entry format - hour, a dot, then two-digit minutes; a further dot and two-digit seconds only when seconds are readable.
9.12
